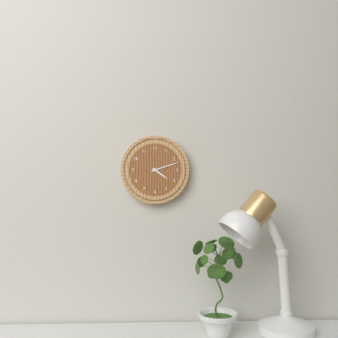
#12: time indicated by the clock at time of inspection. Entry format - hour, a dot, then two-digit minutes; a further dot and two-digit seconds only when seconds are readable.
4.12
